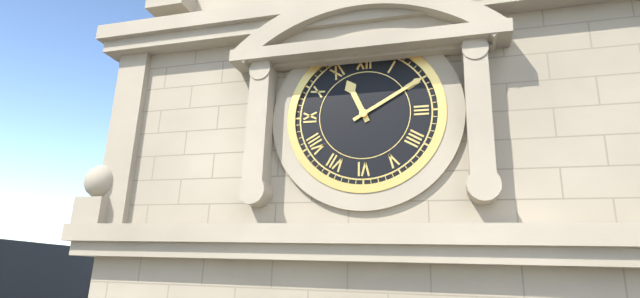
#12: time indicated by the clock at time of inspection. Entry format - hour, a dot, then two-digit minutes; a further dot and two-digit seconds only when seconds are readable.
11.10
